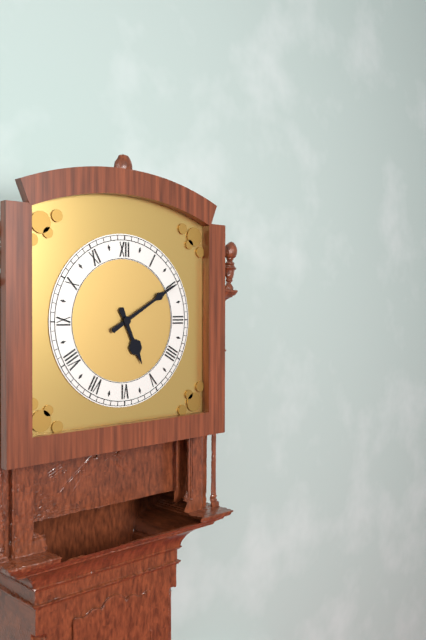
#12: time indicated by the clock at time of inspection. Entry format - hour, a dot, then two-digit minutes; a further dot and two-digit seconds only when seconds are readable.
5.10
